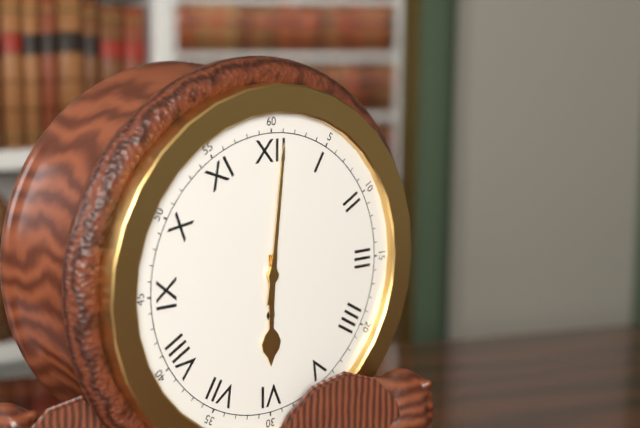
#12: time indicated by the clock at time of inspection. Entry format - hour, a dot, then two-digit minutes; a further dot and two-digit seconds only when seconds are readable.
6.01
